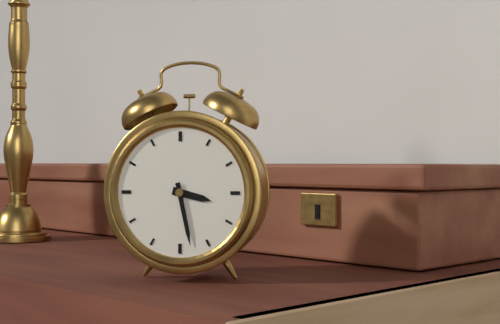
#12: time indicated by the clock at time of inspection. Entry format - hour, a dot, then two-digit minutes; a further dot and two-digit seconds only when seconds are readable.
3.28
